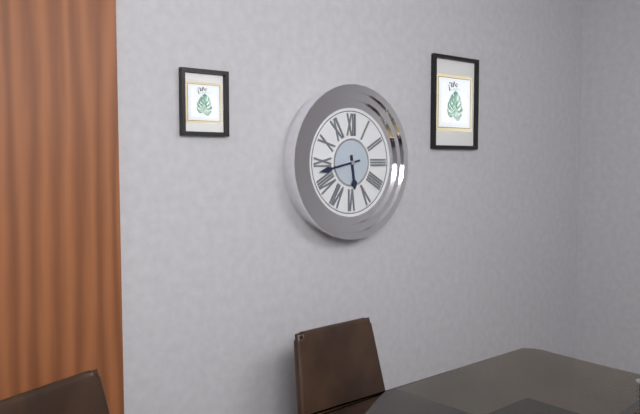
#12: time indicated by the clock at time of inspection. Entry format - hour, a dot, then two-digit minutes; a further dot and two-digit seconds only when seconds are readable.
5.43
